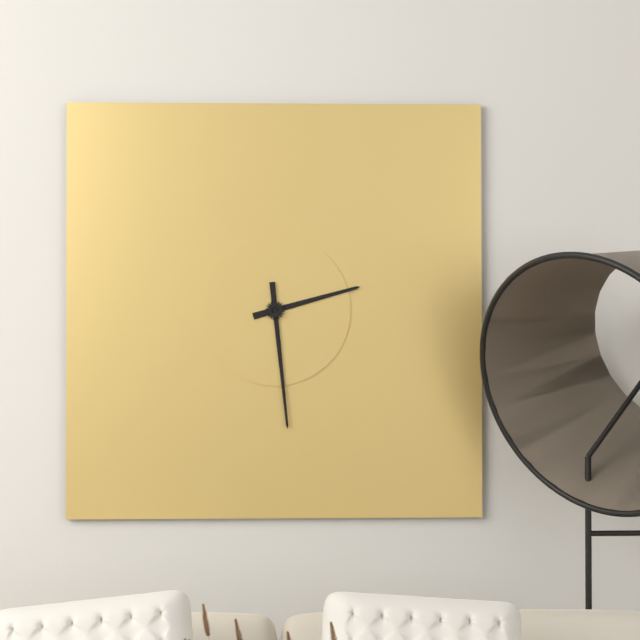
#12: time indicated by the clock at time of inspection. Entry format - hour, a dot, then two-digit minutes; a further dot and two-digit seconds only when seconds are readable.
2.29
